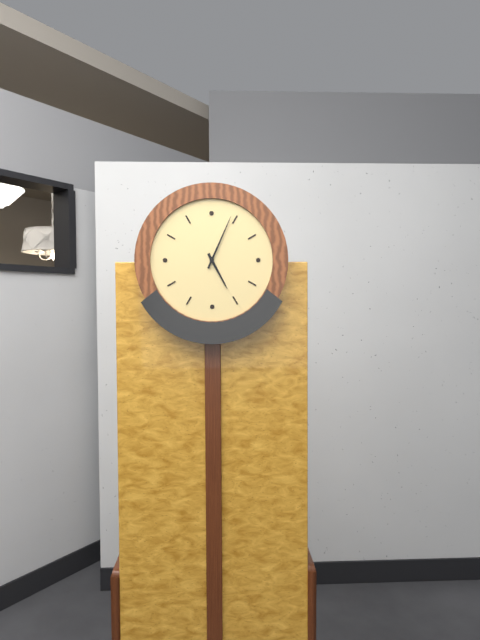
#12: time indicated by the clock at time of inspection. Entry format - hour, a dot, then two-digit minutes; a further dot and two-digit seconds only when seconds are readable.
5.04
